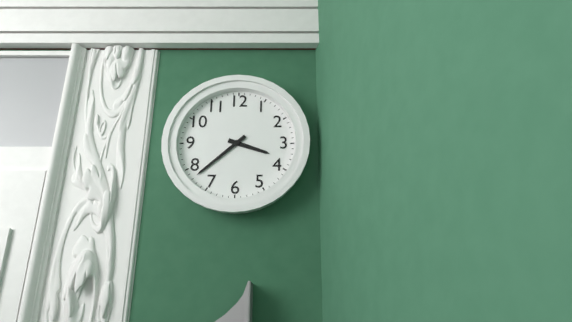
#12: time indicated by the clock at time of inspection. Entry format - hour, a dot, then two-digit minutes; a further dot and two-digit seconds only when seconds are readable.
3.38
